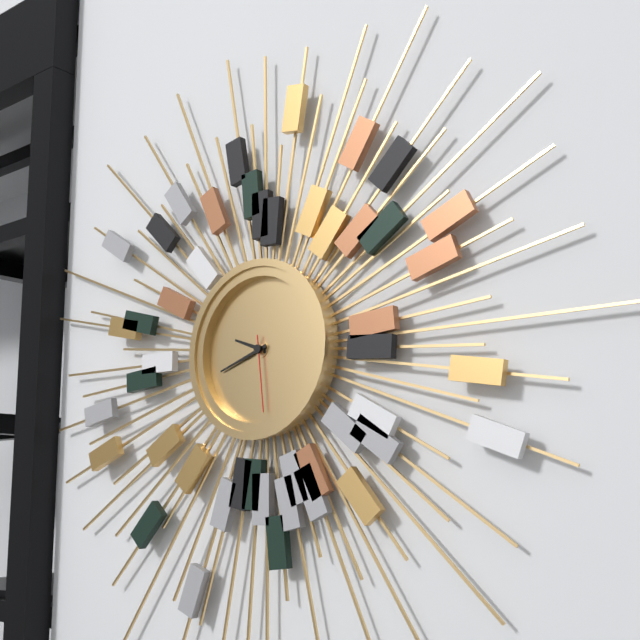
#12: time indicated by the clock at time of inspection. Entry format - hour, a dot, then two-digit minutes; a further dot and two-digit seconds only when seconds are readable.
9.42.29
